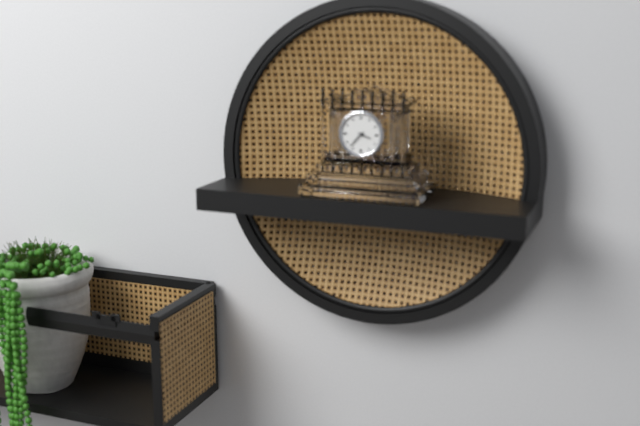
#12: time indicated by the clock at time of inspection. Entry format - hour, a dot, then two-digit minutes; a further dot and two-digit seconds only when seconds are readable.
3.37
